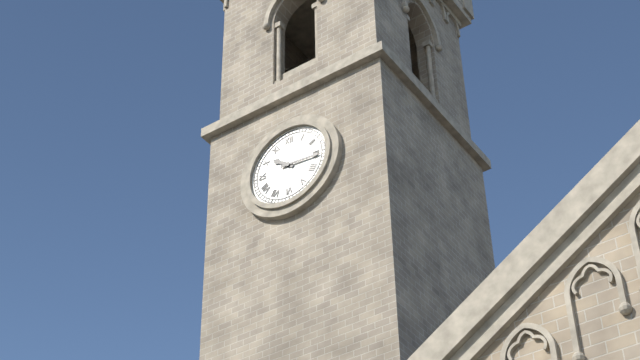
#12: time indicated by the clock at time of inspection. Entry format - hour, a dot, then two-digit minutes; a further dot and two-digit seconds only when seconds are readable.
10.16
